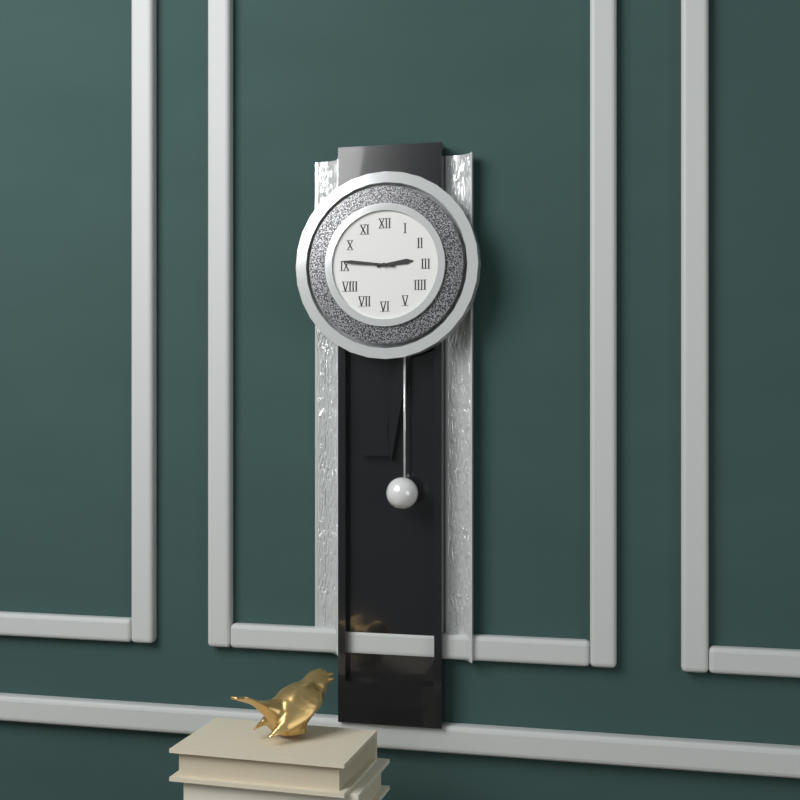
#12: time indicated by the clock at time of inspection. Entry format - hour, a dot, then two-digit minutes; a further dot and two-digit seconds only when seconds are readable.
2.46
